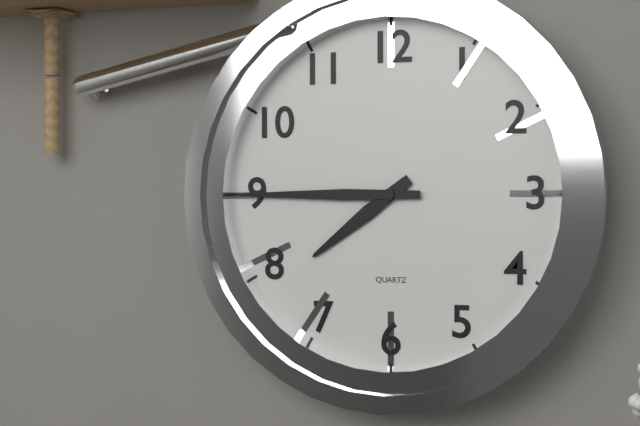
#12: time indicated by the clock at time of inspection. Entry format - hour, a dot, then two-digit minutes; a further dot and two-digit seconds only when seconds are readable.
7.45
